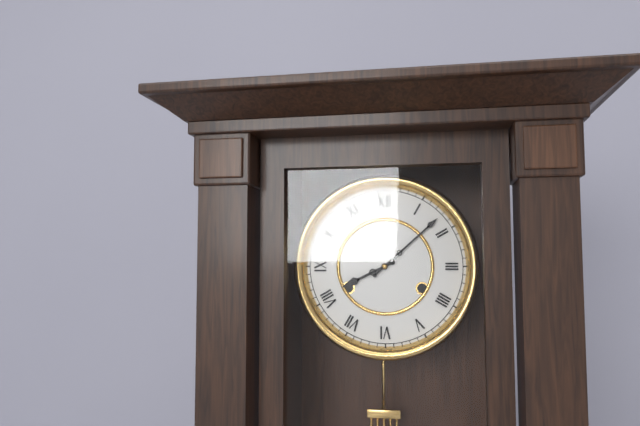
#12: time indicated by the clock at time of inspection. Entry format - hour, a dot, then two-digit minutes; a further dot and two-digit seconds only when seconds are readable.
8.08
